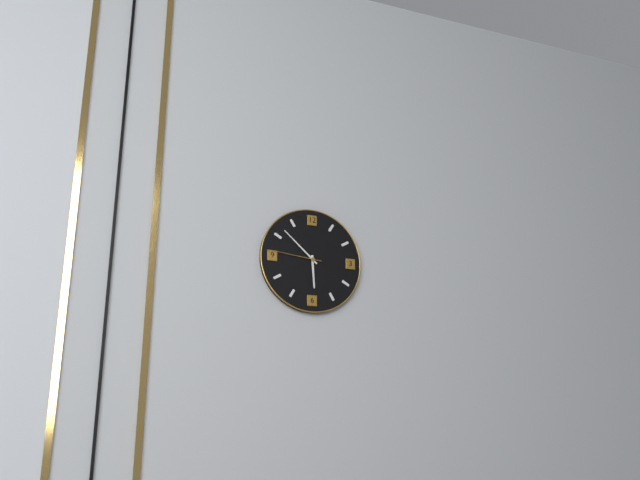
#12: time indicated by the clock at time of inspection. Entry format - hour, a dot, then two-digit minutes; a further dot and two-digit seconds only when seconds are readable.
5.52.46
